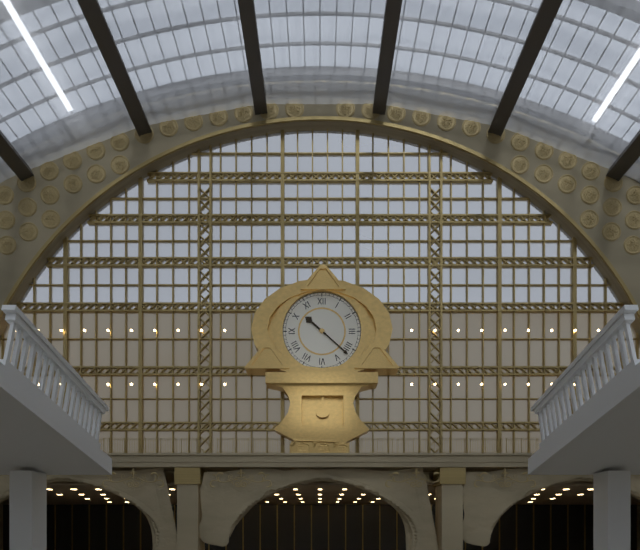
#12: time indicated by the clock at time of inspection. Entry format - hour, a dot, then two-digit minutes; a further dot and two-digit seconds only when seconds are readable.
10.22
